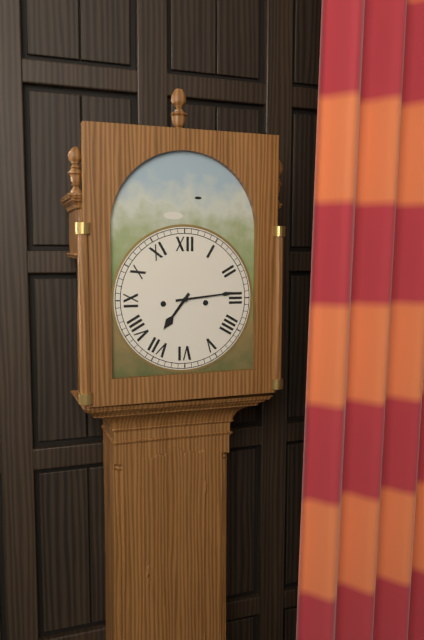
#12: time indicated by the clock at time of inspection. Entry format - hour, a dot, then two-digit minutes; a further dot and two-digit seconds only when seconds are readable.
7.14
